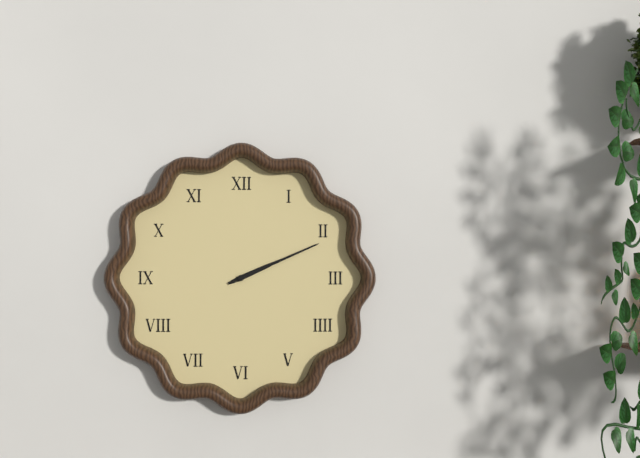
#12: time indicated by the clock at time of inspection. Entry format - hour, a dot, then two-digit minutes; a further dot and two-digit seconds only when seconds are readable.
2.11
